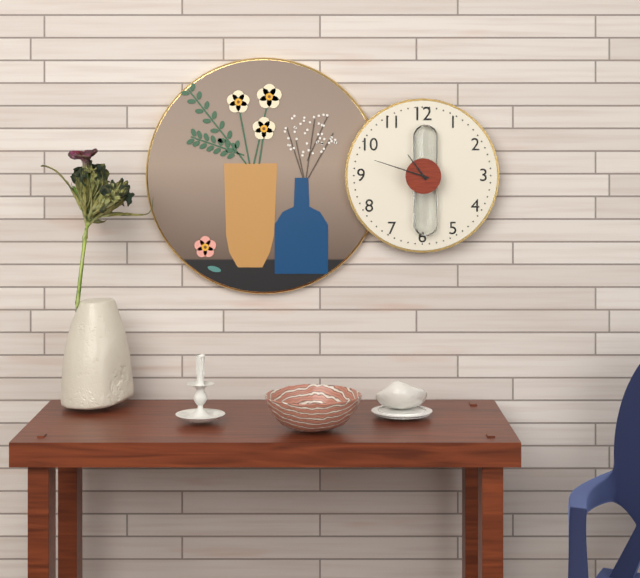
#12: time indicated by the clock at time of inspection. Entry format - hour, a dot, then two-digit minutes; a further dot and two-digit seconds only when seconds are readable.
10.48
